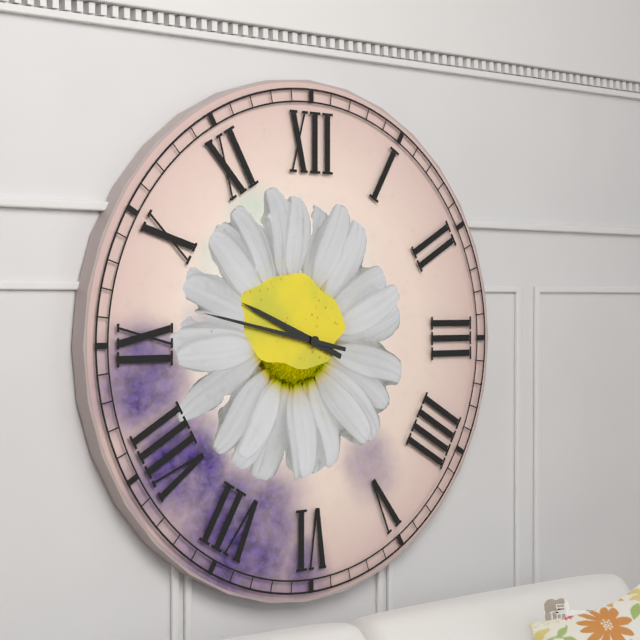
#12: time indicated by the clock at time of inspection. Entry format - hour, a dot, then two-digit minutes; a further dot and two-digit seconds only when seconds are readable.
9.47
